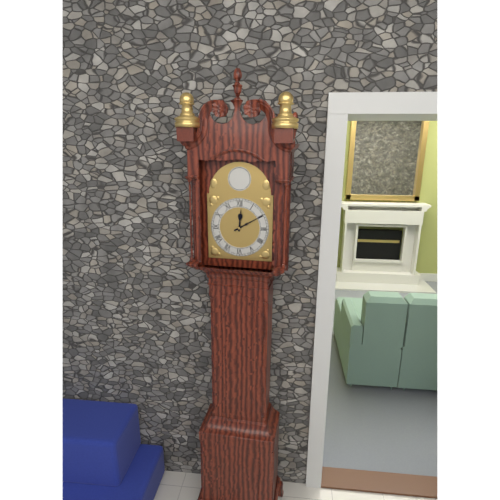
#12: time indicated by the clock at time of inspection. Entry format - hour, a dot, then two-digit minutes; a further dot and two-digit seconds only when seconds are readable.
12.10
